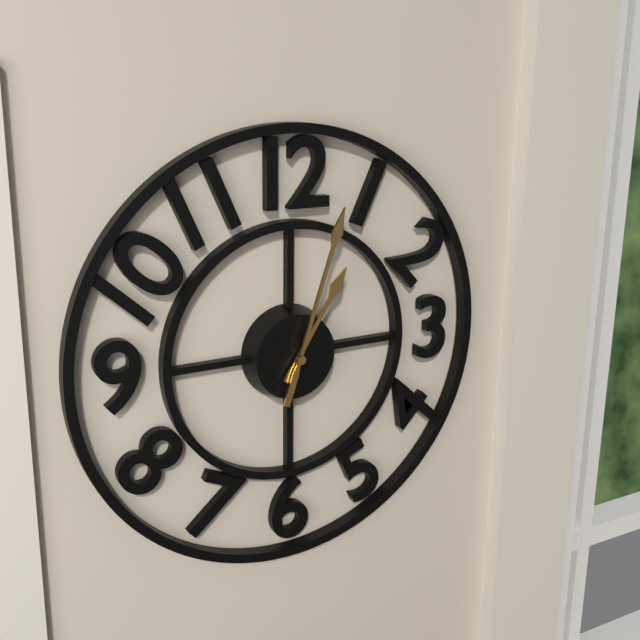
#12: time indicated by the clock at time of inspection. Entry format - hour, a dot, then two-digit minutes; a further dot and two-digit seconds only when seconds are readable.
1.03
